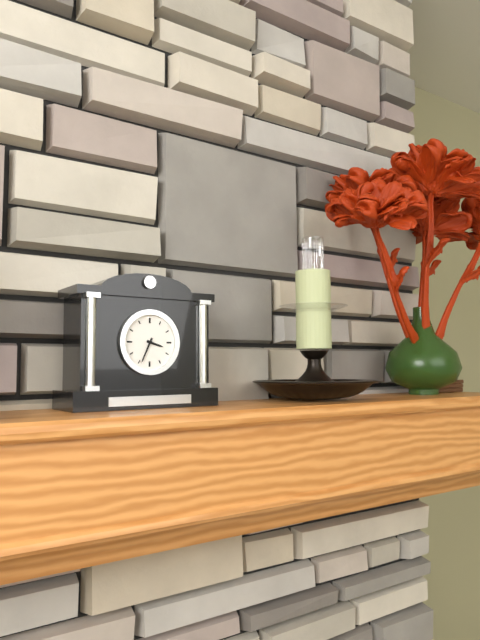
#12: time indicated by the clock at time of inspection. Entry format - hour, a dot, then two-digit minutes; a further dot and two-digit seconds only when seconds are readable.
3.34
